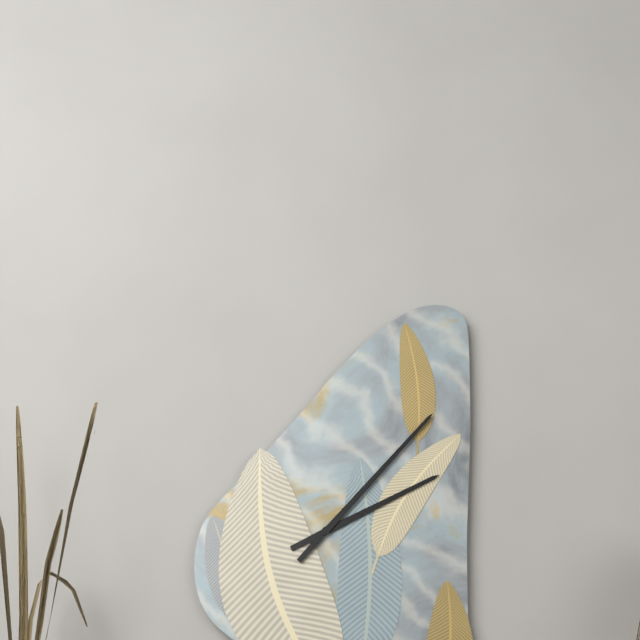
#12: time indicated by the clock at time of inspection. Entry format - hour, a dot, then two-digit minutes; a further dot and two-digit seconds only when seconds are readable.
2.07
